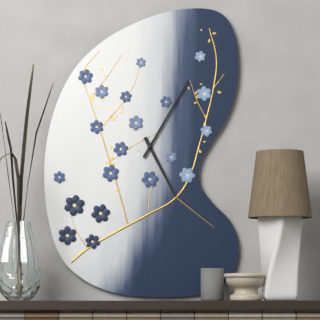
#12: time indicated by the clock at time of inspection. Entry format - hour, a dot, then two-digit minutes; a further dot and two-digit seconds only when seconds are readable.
5.05
